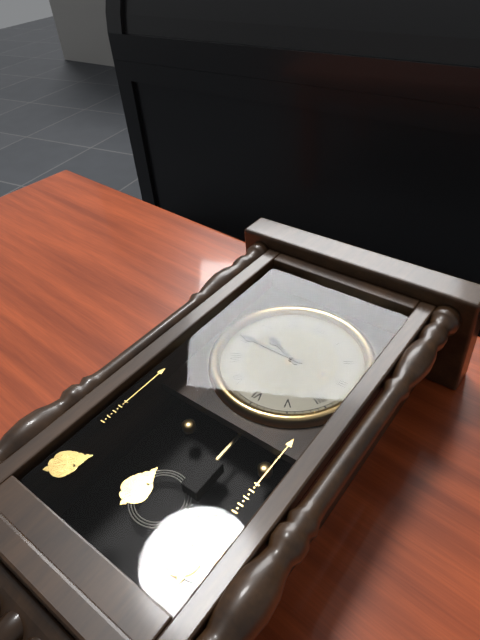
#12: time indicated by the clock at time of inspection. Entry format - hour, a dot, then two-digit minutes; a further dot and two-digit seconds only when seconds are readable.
9.45
